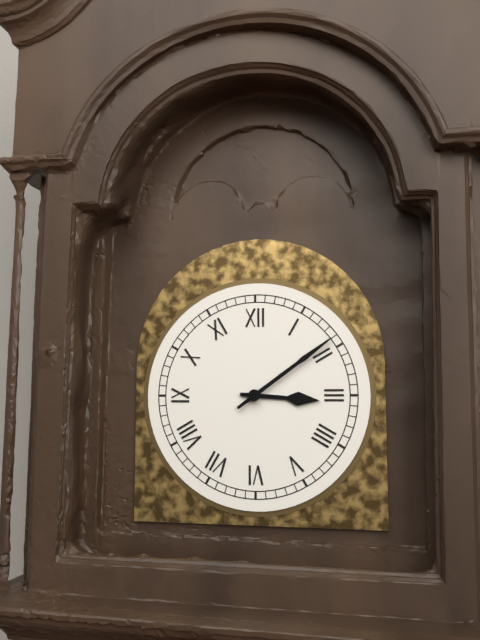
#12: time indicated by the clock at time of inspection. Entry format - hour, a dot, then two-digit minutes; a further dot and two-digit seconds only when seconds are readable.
3.09
